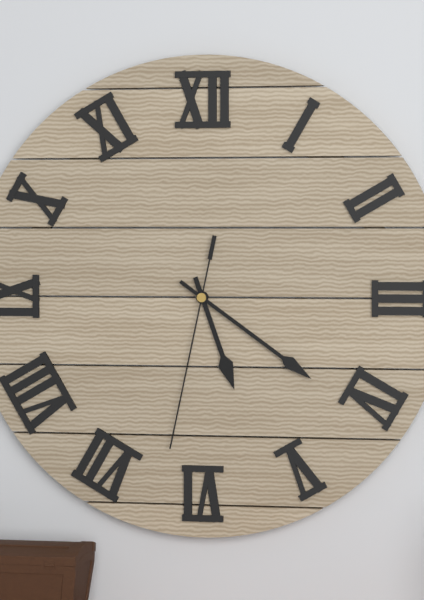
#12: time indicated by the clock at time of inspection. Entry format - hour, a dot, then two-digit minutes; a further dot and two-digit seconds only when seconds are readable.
5.21.32
